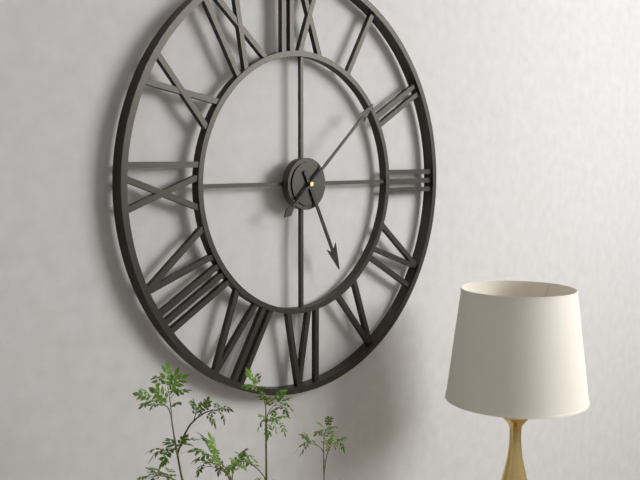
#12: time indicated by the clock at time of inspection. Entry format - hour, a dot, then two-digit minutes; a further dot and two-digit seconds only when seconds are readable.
5.08
